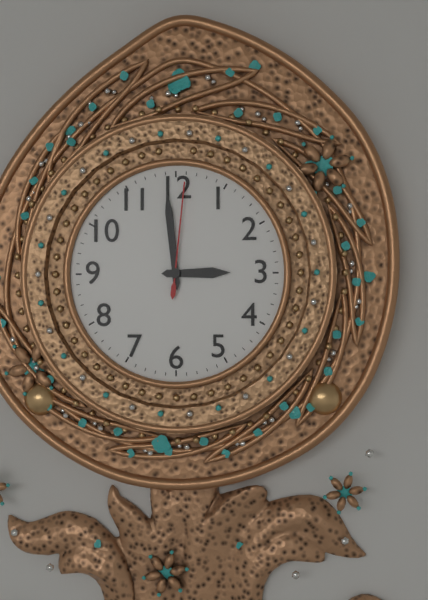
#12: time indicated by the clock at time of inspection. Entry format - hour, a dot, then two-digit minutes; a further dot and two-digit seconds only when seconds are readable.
2.59.01
